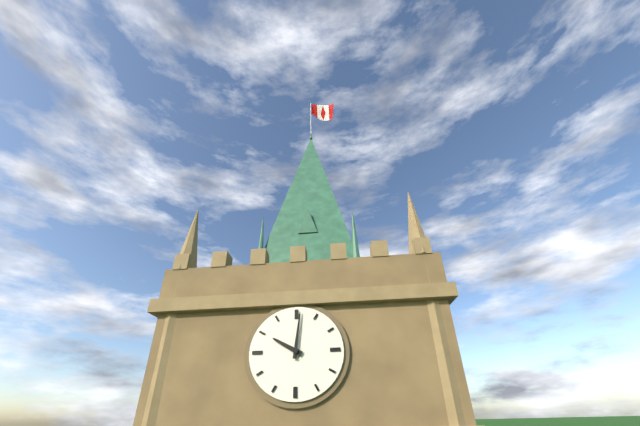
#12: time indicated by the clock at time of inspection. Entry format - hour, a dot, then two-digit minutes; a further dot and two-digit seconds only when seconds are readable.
10.01
